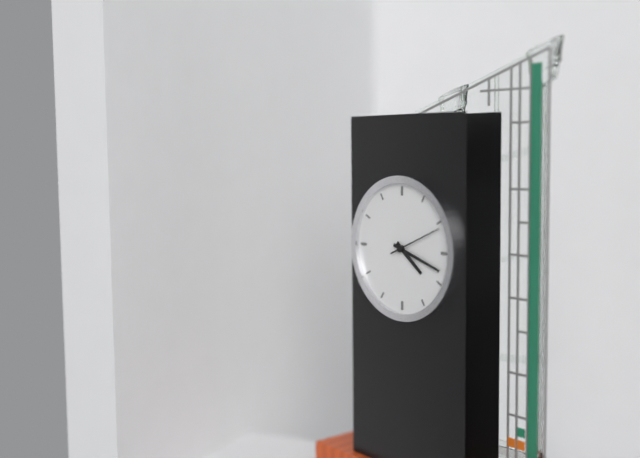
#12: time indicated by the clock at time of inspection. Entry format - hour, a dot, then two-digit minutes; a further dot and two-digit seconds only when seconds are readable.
4.18.11
